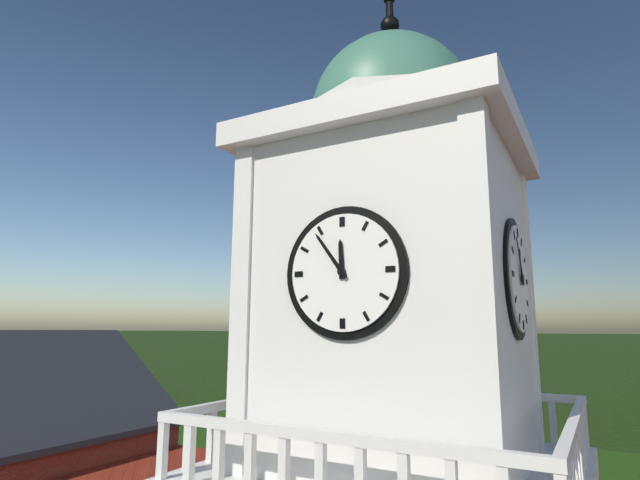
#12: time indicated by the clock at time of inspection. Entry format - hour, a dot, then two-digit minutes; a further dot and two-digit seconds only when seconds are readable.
11.54
